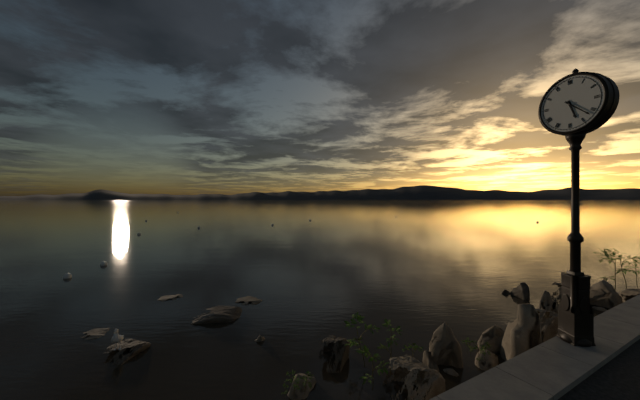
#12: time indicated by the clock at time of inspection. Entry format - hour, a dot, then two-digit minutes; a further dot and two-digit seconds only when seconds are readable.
5.22
